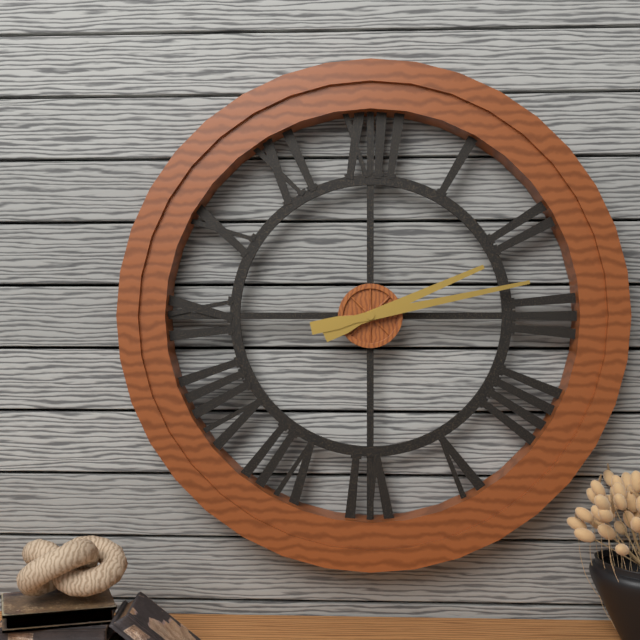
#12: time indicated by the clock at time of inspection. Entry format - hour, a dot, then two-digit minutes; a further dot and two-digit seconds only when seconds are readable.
2.13
